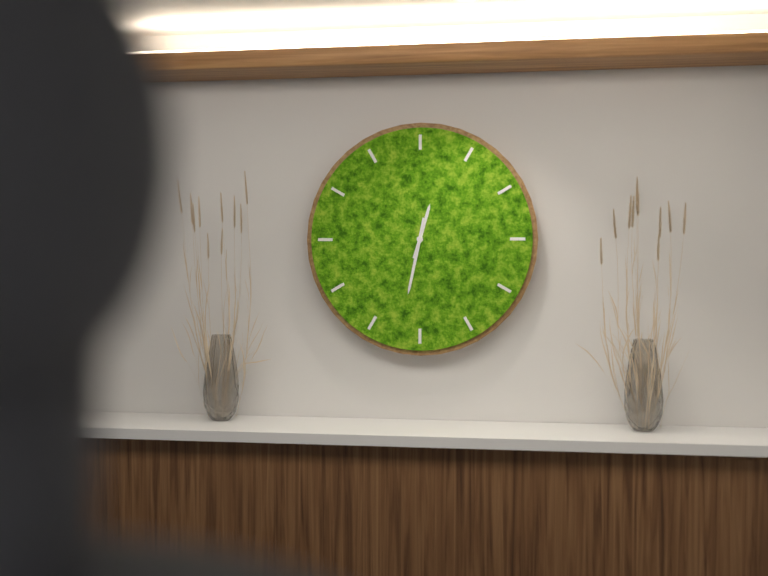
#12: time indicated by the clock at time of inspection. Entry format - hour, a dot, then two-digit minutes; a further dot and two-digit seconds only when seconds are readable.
12.32
